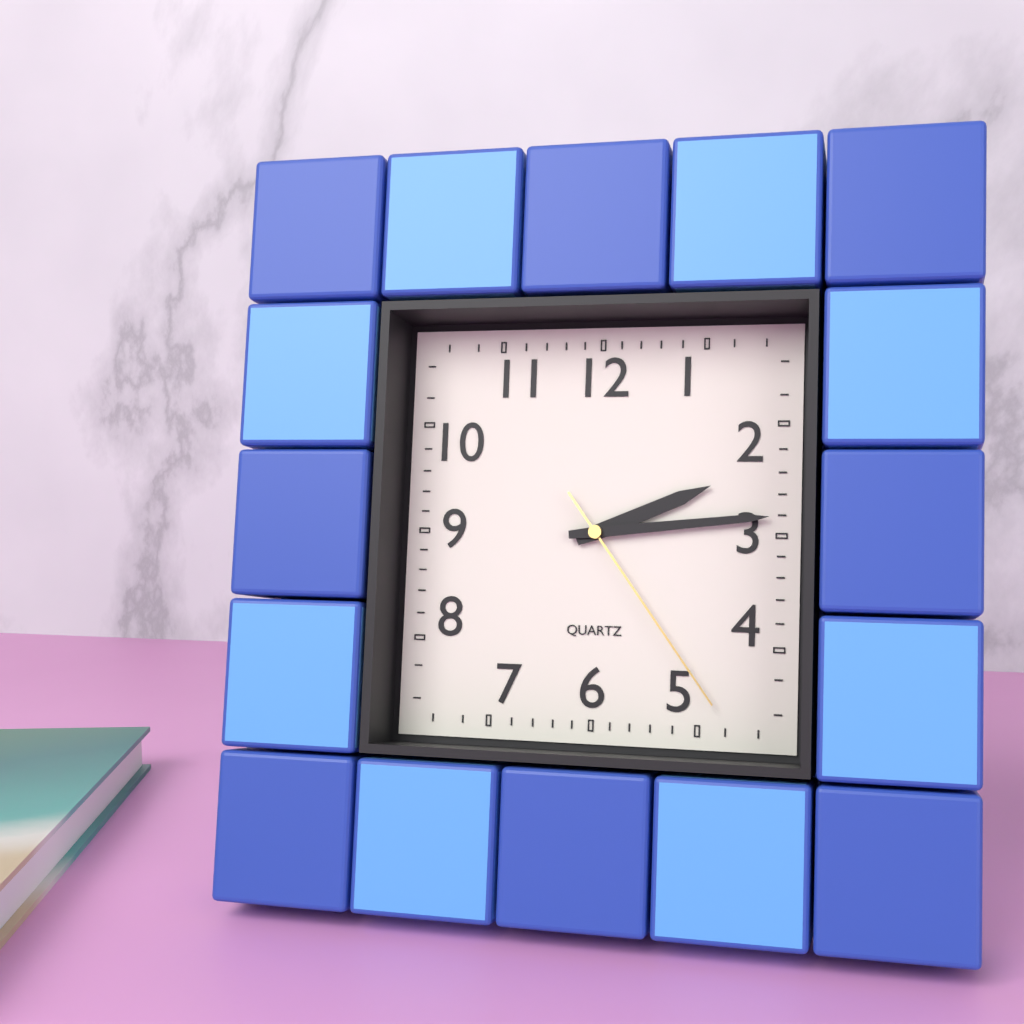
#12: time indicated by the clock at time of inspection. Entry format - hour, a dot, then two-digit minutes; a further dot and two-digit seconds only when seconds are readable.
2.14.24
